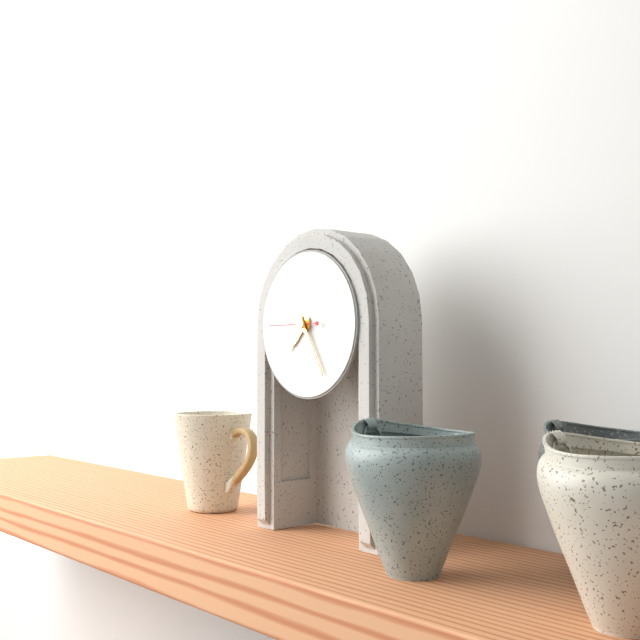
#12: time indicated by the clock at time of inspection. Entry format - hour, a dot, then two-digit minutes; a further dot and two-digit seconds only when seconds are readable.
7.25
